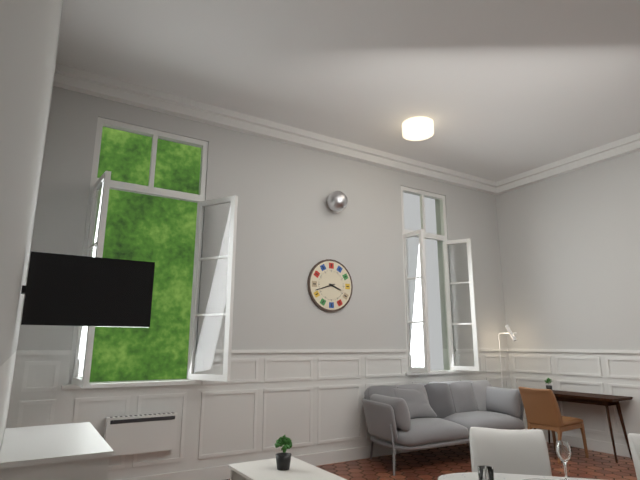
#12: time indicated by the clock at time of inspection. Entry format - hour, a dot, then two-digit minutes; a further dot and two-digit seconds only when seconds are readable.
3.42
